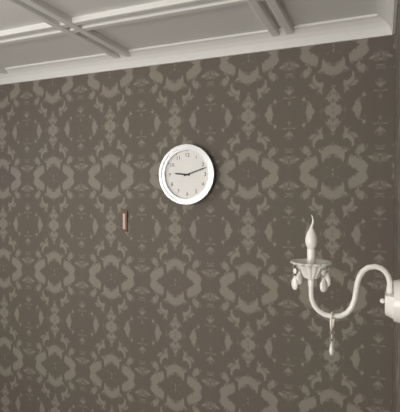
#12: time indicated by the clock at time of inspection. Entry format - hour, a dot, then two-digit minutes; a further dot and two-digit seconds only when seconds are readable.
9.12
